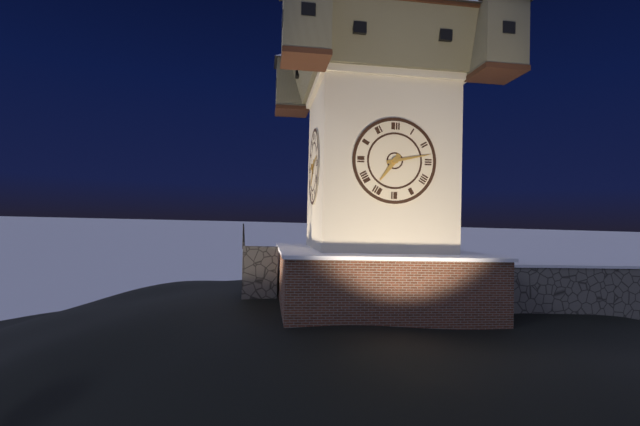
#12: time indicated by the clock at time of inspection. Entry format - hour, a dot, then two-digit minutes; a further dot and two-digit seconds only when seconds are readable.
7.13
